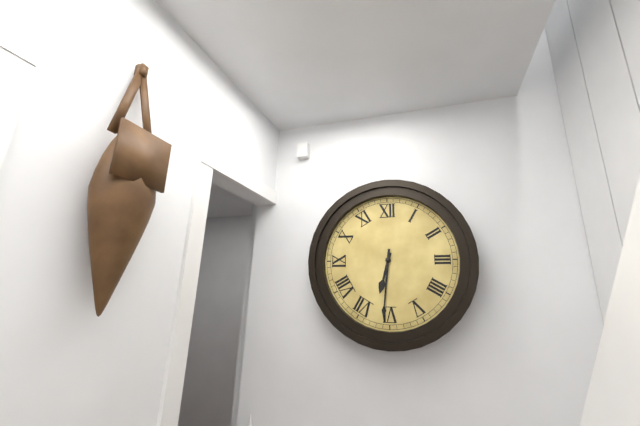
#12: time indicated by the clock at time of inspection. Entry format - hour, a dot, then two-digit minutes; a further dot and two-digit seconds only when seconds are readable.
6.31
